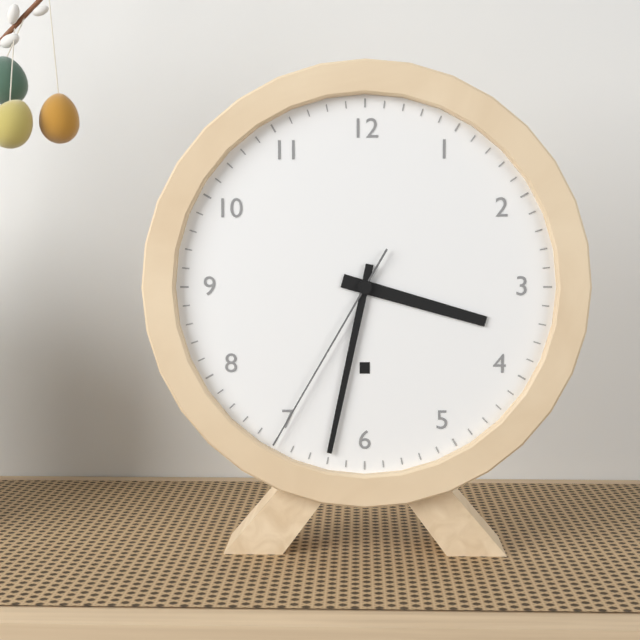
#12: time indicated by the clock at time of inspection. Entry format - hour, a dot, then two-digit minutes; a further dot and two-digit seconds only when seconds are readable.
3.32.35
